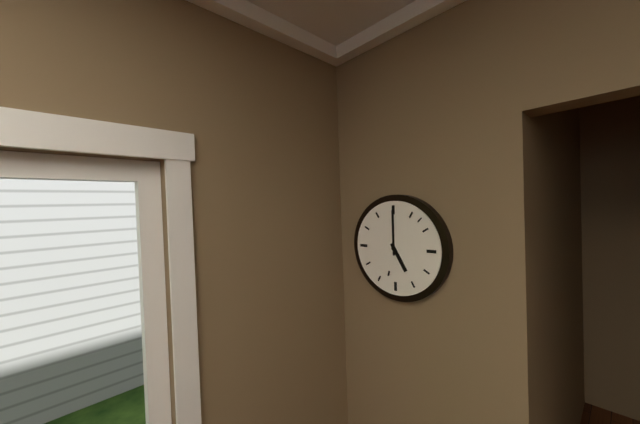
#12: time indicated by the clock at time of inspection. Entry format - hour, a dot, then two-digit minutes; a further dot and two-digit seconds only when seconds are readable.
5.00
